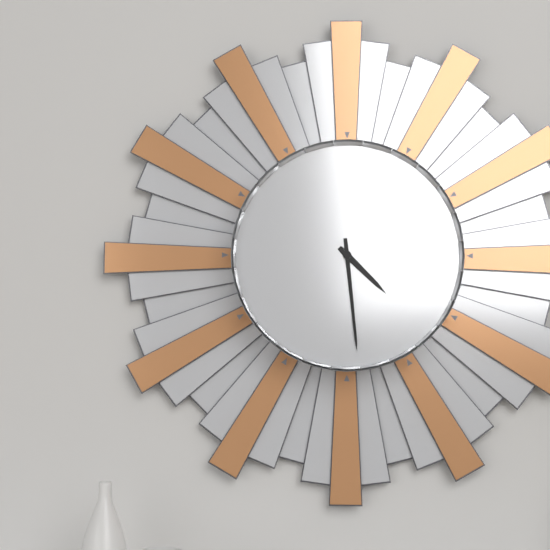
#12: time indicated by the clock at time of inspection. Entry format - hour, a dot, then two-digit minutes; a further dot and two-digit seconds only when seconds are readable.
4.29
